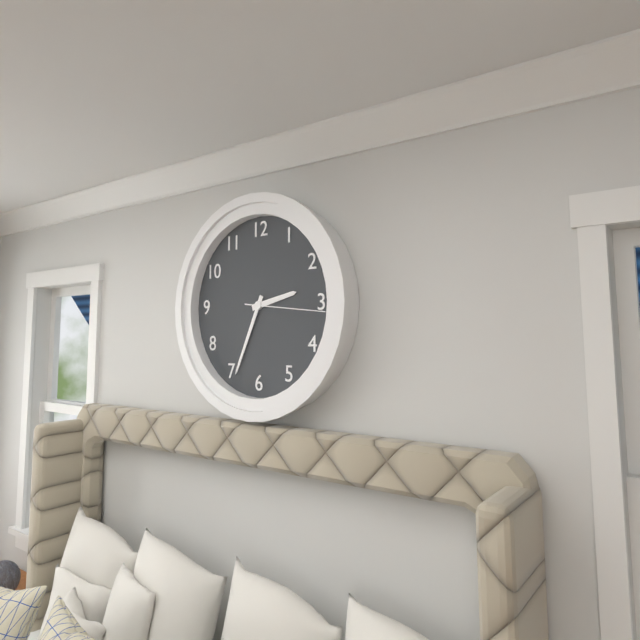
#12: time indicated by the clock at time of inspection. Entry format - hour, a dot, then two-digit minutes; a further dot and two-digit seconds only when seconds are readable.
2.34.16
